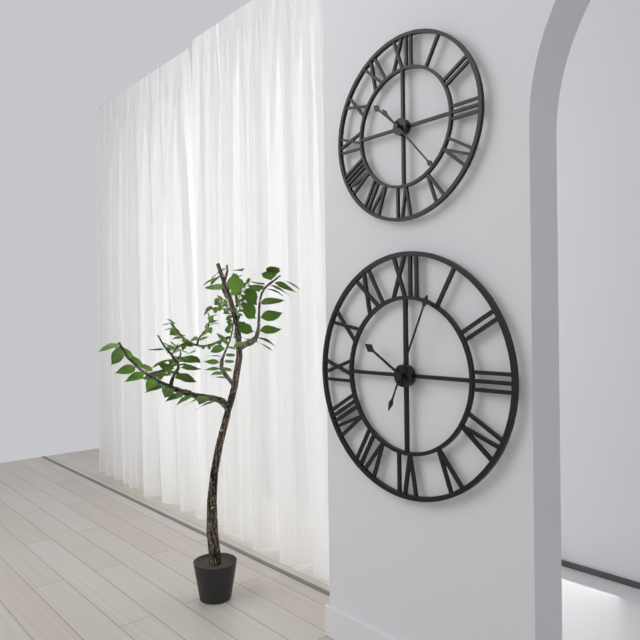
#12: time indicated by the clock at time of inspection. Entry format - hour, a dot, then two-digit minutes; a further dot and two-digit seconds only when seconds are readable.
10.04
